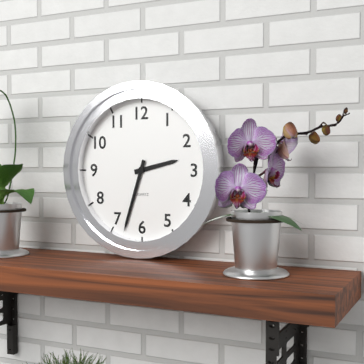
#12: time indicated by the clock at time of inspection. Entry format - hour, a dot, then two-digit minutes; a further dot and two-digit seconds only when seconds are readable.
2.33
